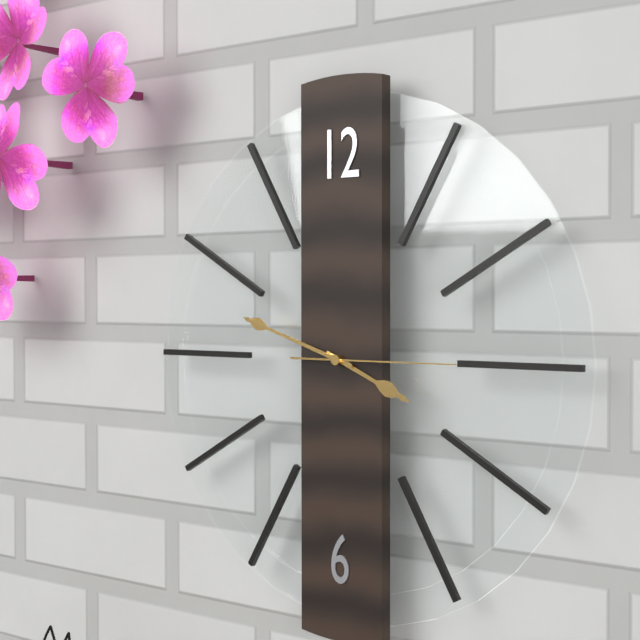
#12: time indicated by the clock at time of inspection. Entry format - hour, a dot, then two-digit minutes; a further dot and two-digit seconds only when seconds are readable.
3.48.15
